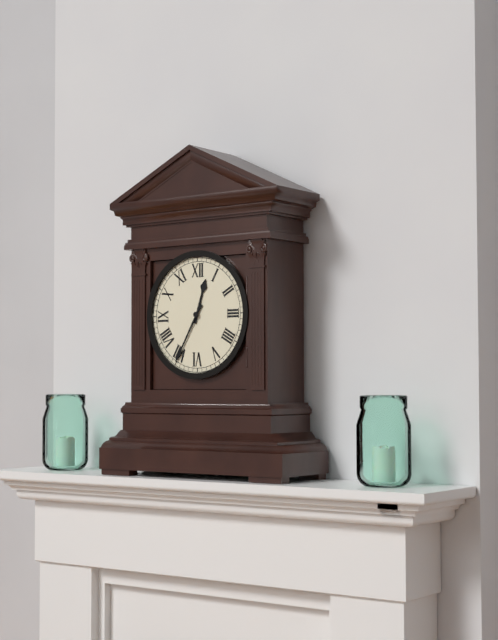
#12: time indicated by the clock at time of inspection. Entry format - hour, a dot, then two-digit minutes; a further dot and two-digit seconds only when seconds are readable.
12.35
